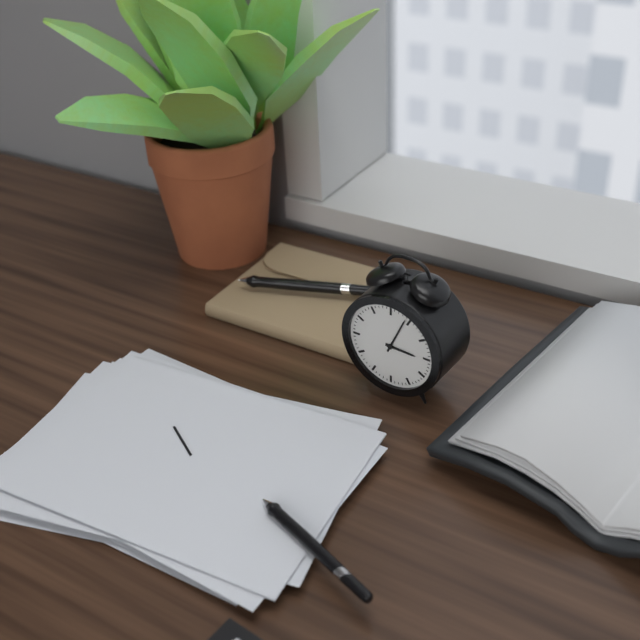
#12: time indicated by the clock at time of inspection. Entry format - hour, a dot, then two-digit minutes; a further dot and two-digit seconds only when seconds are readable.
3.04
